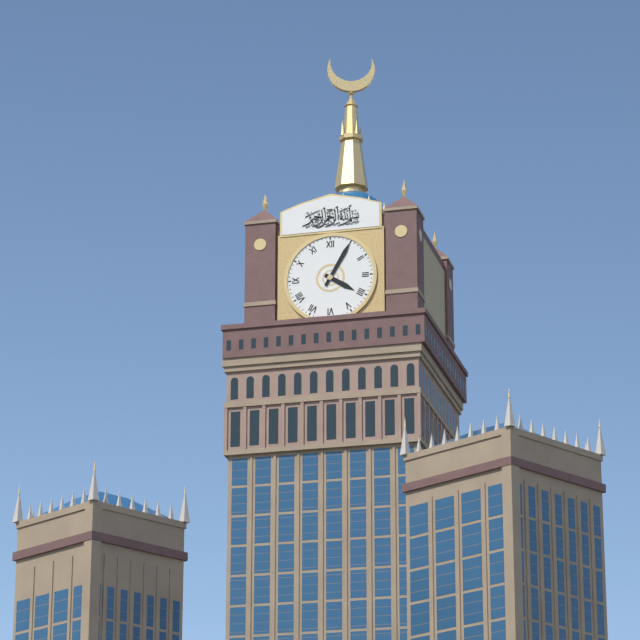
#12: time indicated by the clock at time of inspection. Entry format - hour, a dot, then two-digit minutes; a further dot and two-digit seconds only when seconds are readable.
4.05
